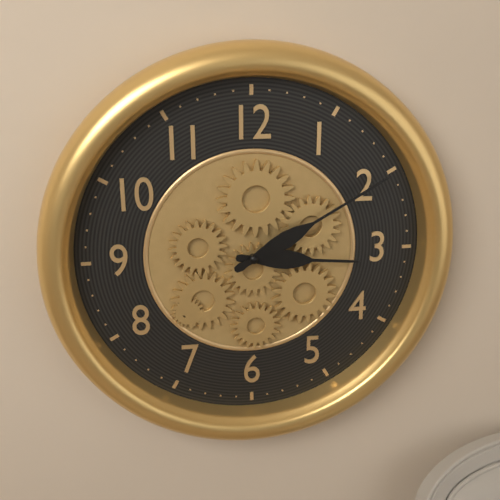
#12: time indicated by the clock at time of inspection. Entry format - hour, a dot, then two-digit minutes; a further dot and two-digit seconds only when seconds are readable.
3.10
